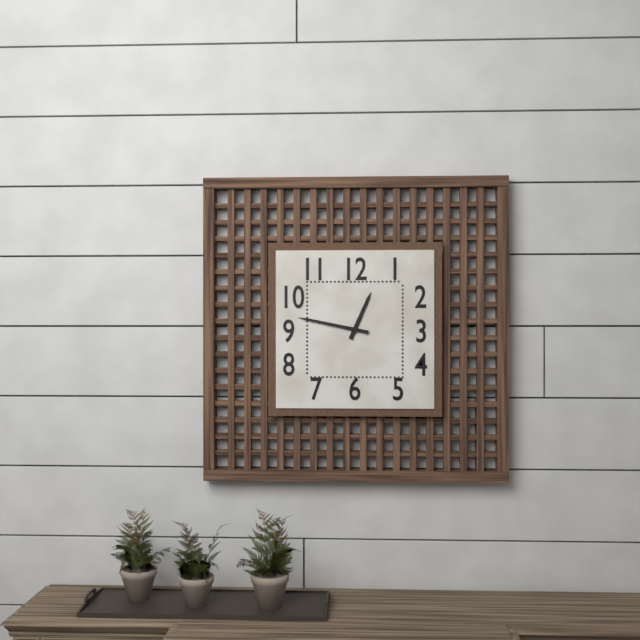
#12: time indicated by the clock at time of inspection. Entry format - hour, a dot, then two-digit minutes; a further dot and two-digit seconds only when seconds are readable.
12.47
